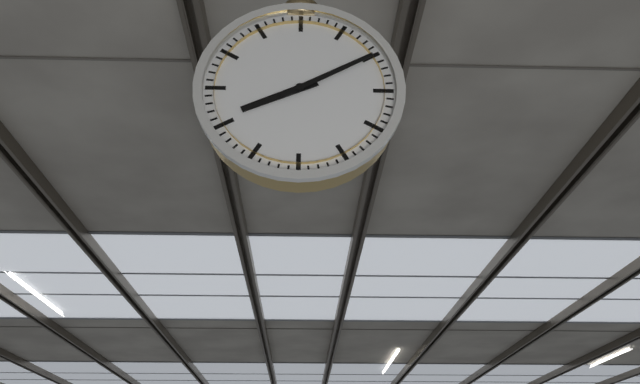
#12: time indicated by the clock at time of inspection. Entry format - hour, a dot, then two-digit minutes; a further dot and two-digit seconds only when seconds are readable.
8.10
